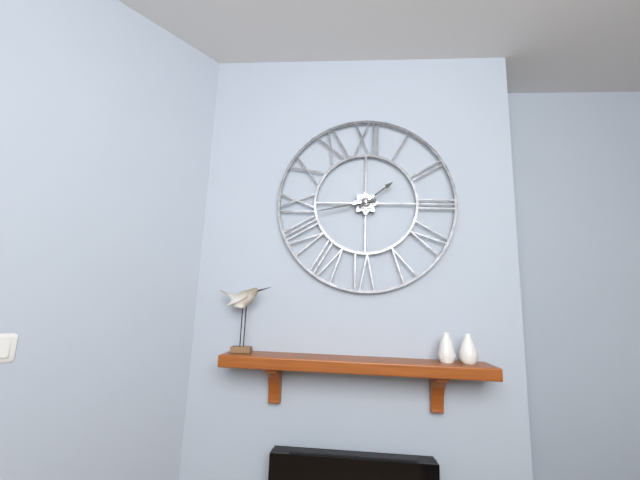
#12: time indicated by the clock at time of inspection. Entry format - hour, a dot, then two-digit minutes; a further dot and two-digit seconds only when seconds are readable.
1.43
